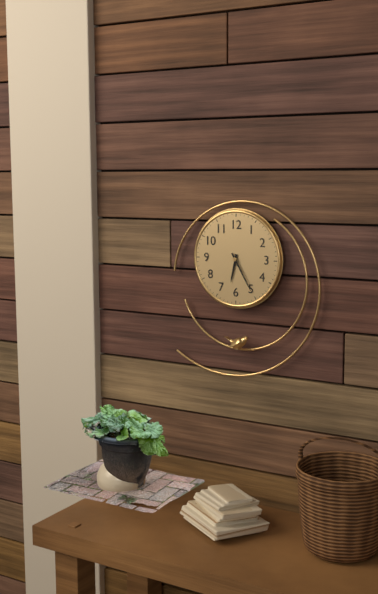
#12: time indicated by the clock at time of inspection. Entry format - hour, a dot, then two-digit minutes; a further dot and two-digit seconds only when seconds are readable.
6.25
